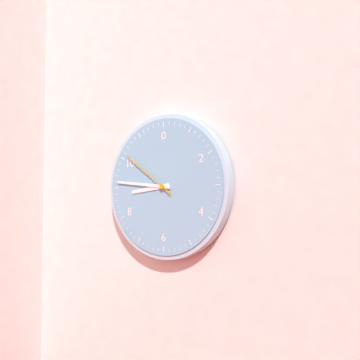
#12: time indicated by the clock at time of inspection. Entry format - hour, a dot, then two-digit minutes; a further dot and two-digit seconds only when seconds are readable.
8.46.51
